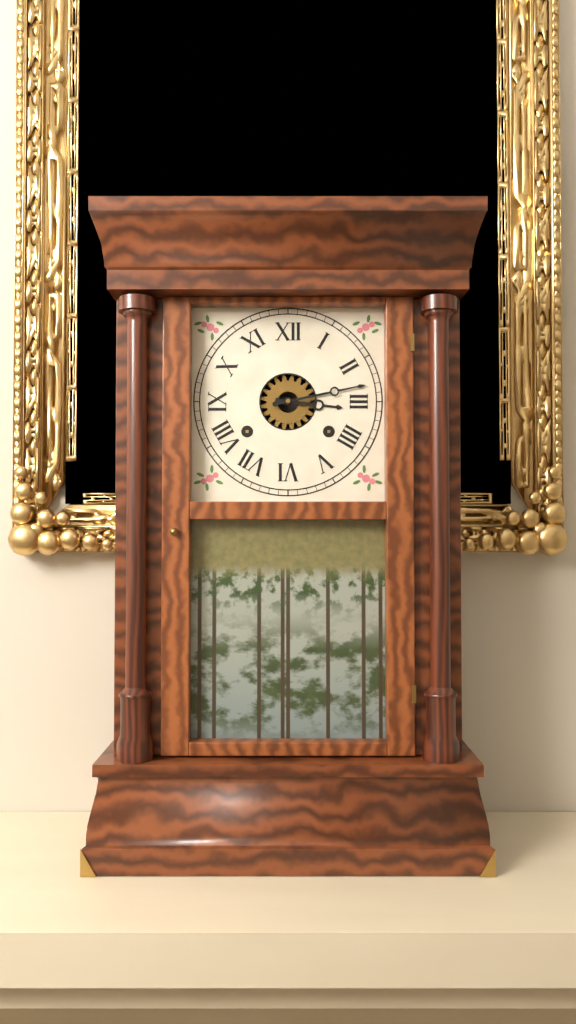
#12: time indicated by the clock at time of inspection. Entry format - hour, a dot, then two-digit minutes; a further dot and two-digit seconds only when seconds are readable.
3.13
